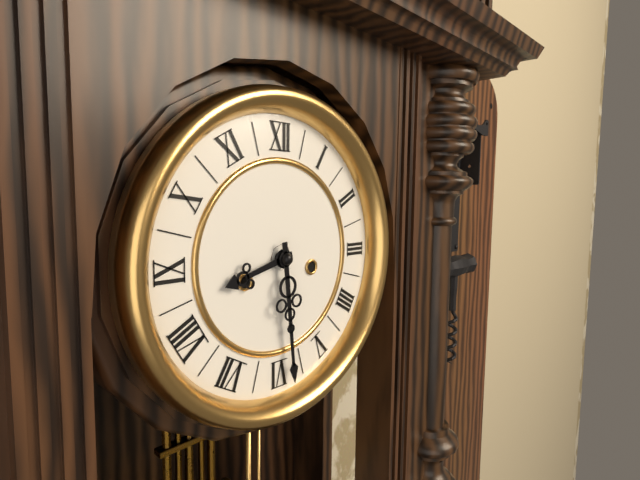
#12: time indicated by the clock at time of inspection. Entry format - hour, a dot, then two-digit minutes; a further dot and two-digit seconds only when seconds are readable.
8.29
